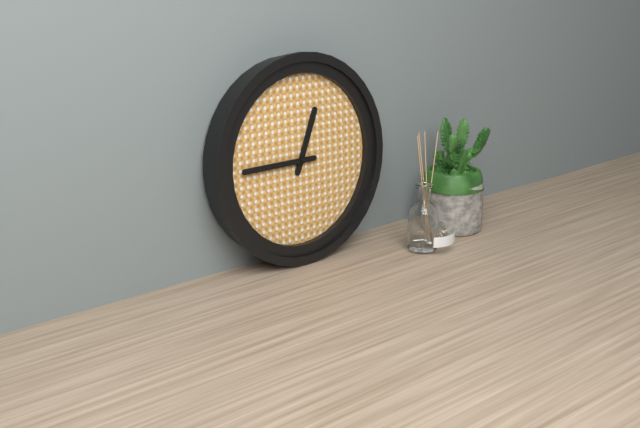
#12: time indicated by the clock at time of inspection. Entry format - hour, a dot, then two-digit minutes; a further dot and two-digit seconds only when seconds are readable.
12.45
